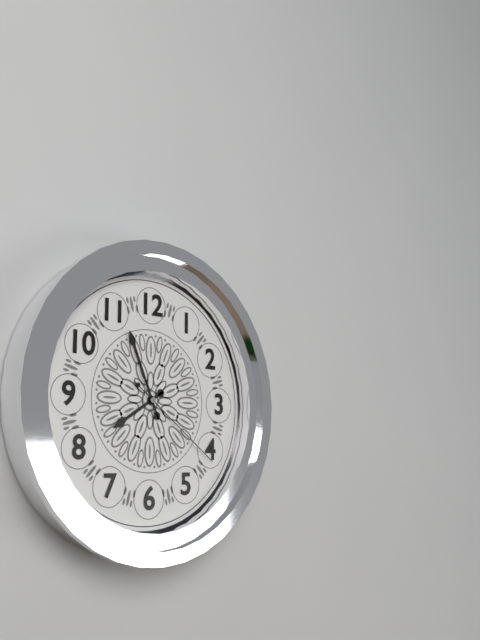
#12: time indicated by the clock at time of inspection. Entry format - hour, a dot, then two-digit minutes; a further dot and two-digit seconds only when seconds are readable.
7.56.21
